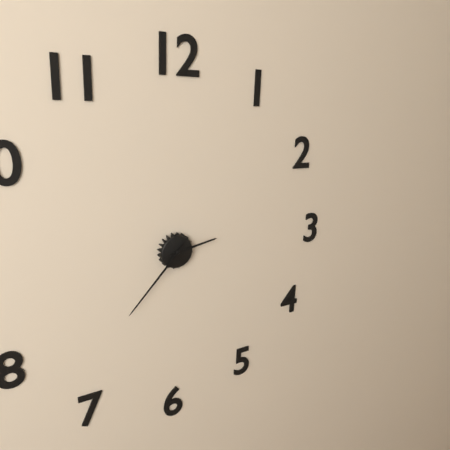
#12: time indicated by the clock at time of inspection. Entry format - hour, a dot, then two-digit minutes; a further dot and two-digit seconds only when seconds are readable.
2.37
